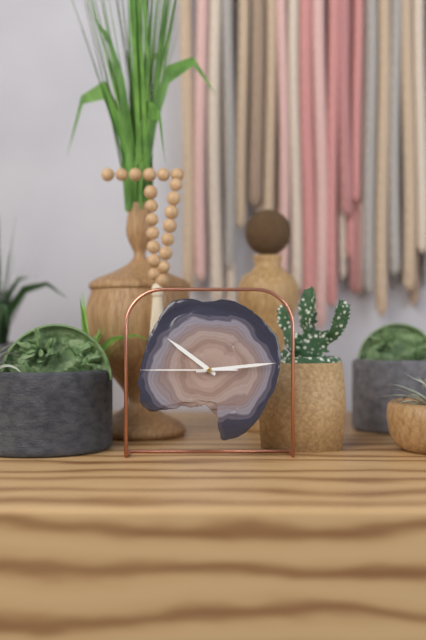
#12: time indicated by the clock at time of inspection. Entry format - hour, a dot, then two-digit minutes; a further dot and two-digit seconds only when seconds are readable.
10.14.45
